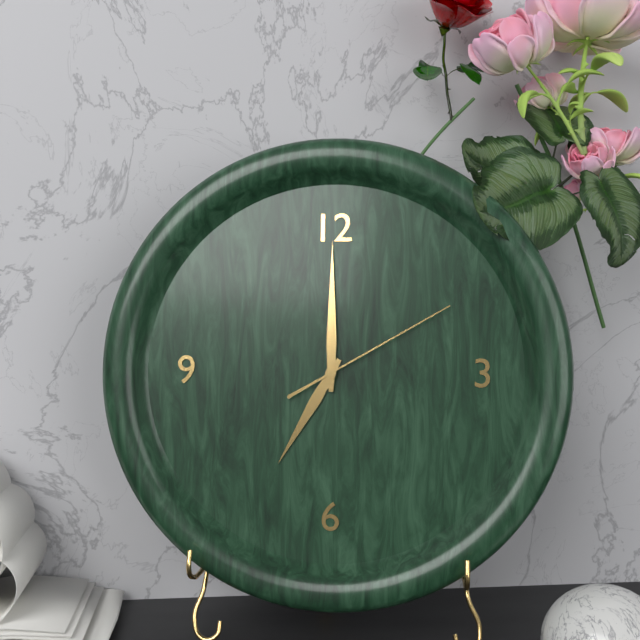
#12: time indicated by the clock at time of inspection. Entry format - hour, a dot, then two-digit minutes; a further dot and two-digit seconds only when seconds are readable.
7.00.10
